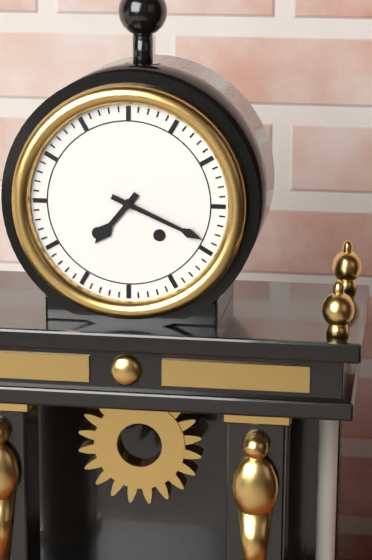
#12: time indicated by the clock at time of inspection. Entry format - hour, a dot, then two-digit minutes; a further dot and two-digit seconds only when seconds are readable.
7.19
